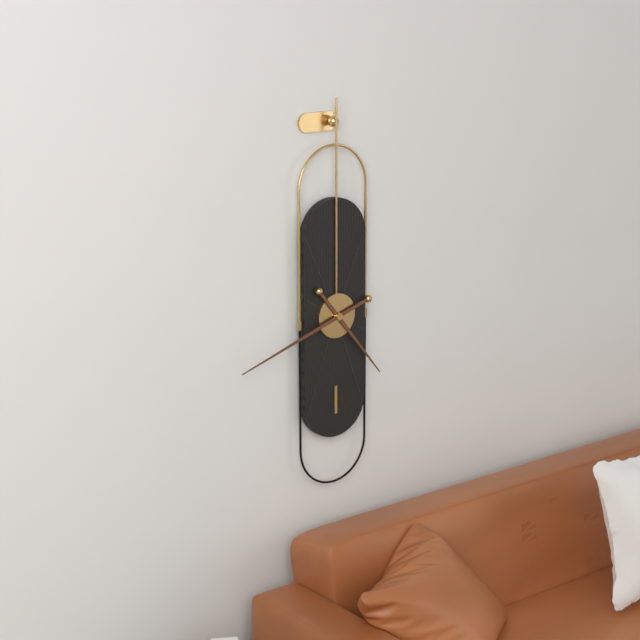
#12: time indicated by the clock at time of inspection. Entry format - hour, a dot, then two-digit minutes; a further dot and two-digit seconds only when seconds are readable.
4.42
